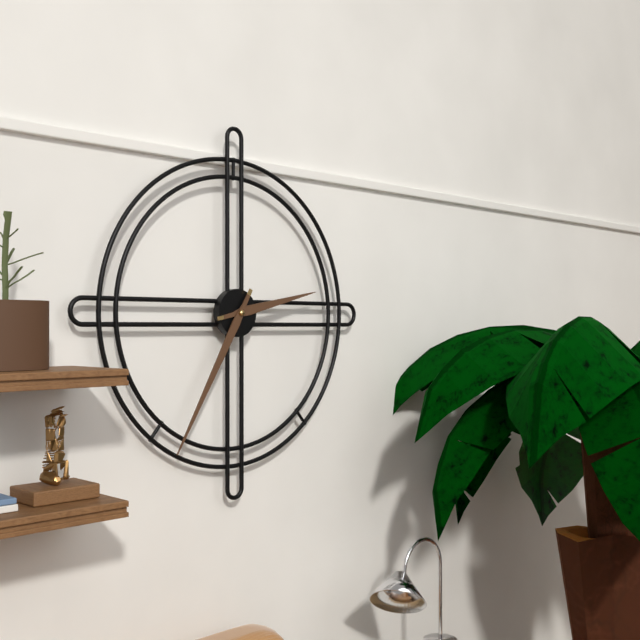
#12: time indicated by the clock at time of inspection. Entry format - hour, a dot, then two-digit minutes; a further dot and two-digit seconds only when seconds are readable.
2.35
